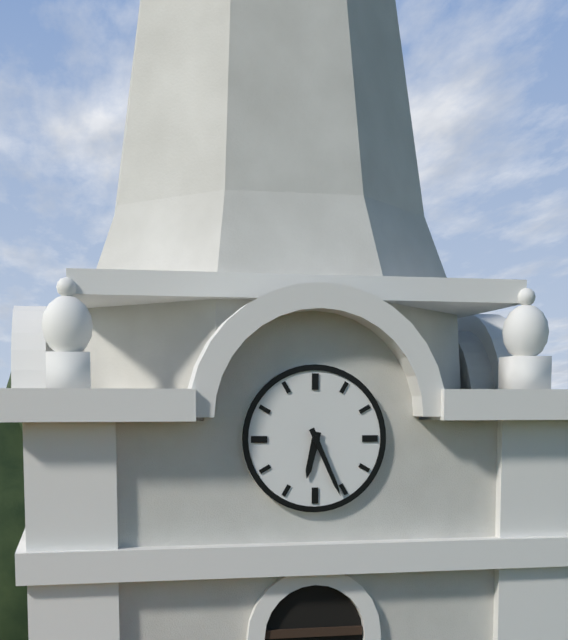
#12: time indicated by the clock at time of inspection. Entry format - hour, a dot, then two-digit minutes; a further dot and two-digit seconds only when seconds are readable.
6.26
